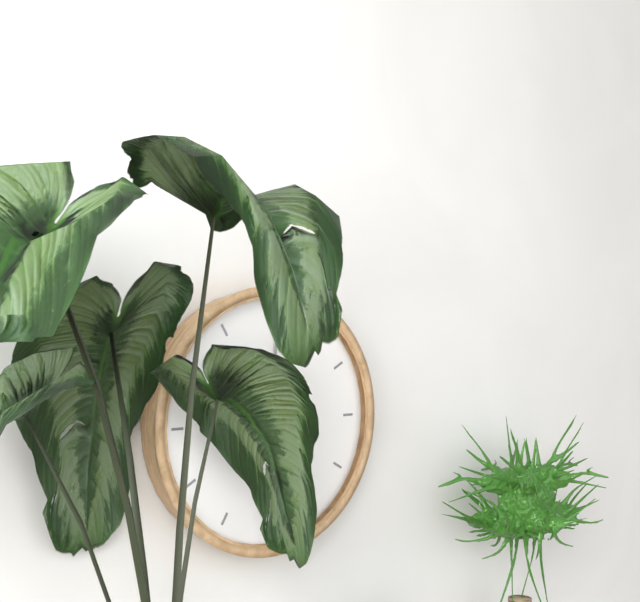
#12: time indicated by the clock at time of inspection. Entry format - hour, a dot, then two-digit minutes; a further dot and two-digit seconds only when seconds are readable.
10.01
